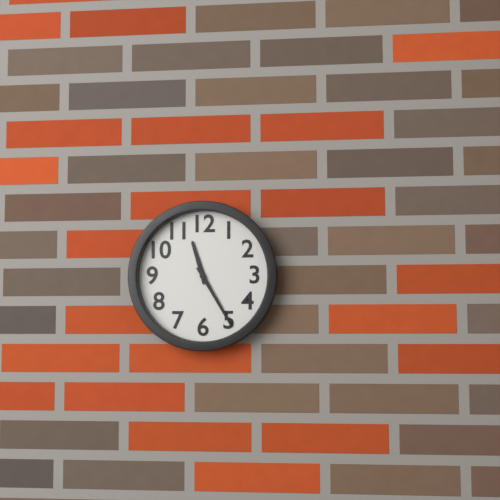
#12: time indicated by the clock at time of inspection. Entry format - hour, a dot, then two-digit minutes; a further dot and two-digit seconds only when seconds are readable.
11.25
